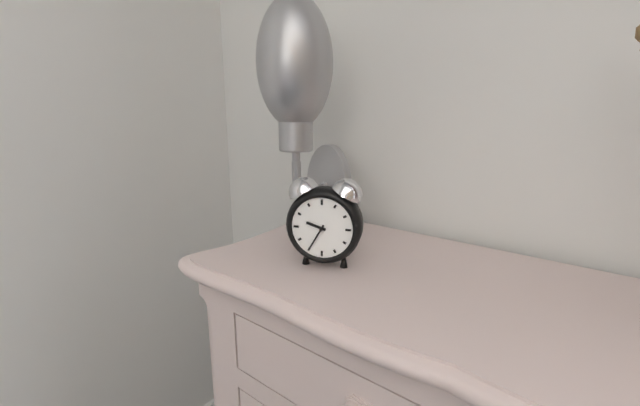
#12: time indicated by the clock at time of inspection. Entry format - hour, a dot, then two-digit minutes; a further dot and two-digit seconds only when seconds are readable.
9.35
